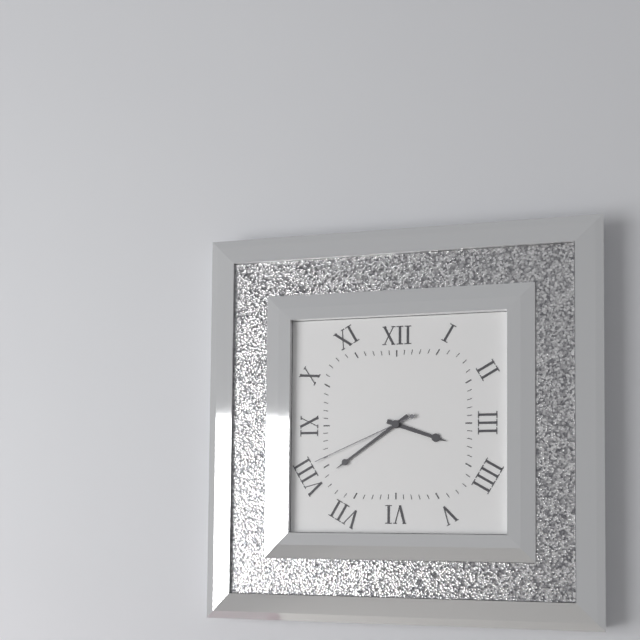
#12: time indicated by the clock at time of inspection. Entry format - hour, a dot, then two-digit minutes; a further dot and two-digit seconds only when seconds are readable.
3.39.41
